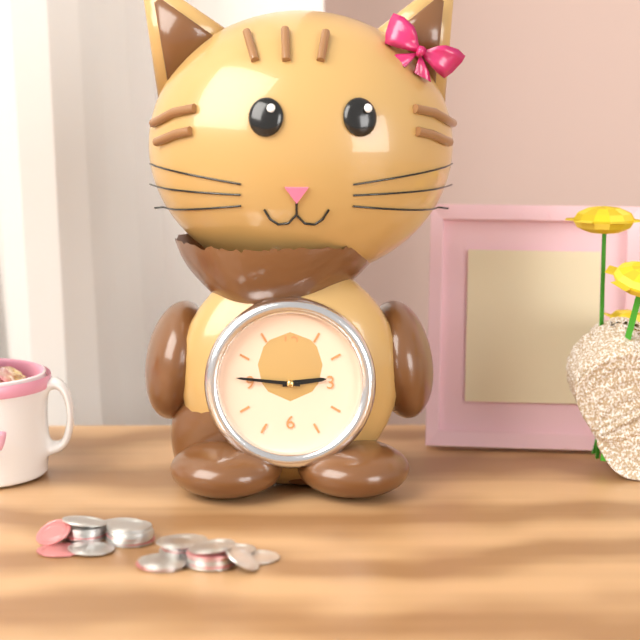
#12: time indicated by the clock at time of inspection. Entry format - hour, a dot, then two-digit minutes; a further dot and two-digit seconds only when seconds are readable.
2.46
